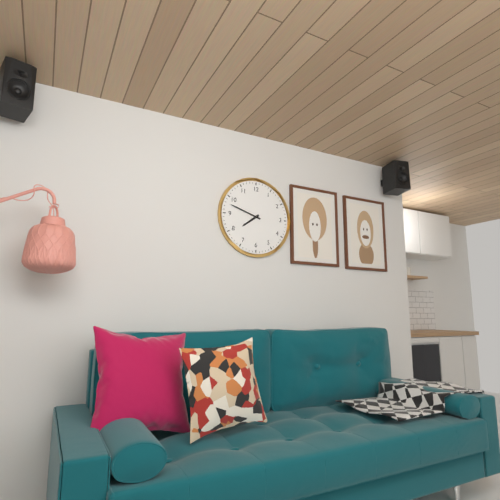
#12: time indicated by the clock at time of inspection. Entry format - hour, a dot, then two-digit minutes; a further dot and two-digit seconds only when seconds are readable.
7.48
